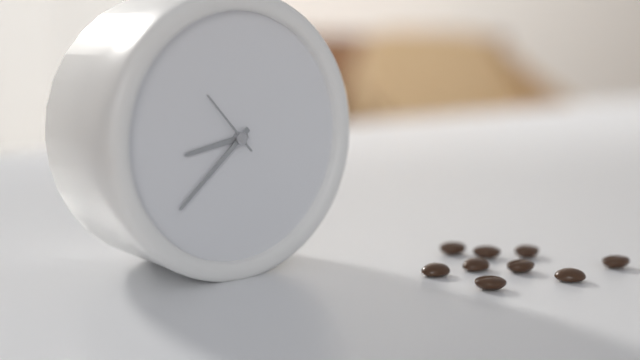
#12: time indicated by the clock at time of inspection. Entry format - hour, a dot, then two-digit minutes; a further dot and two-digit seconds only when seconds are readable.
8.38.53
